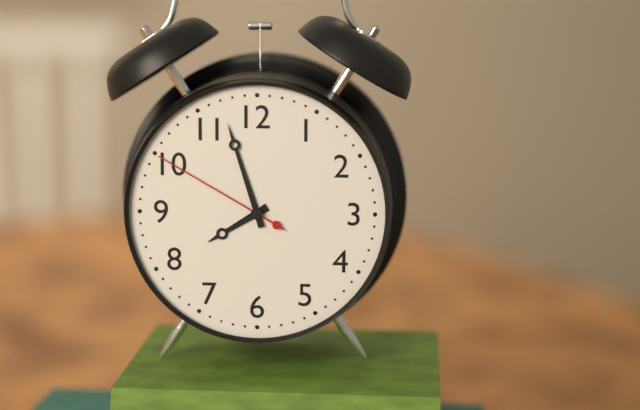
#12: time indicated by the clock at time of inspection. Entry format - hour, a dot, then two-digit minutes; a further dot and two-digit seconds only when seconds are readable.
7.57.50
